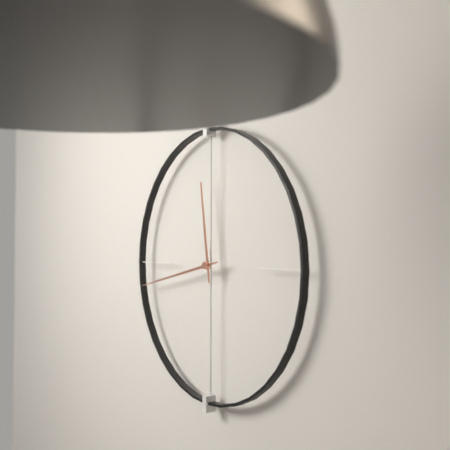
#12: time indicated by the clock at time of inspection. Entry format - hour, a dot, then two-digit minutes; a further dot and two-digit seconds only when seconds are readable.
11.43
